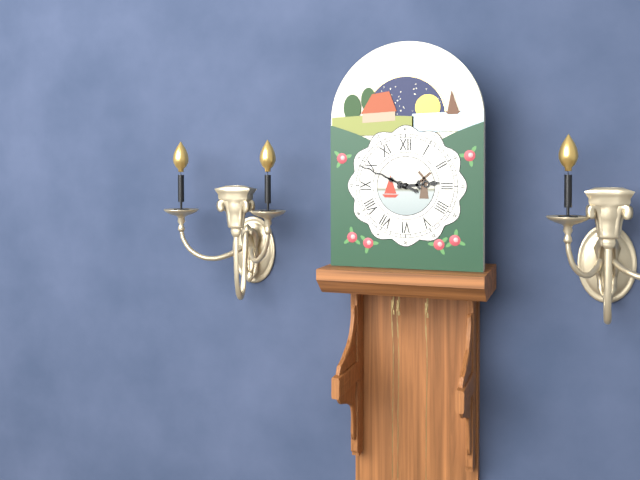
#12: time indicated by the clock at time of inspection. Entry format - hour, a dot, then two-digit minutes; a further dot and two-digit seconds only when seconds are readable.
2.49
